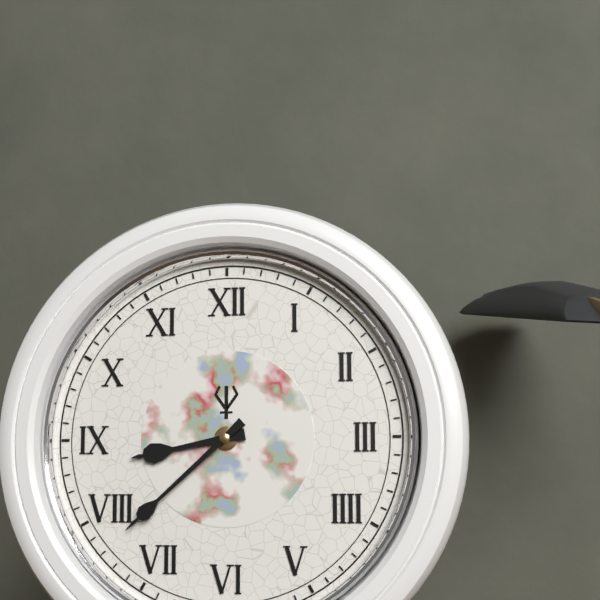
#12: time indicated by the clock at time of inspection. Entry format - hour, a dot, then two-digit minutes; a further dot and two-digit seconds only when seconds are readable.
8.38
